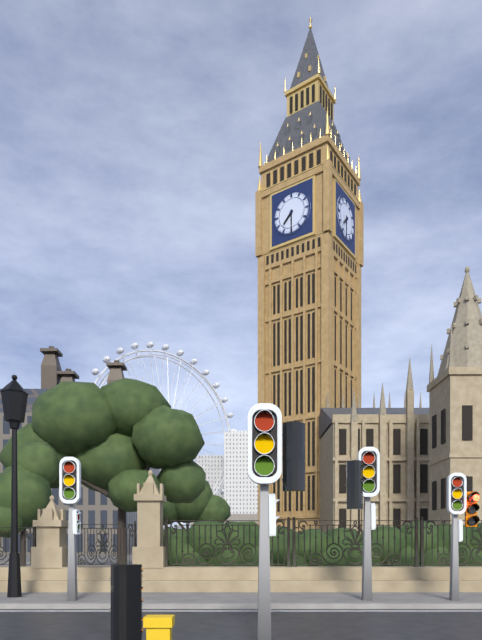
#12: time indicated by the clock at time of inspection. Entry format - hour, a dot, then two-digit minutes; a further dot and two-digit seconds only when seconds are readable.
7.30
